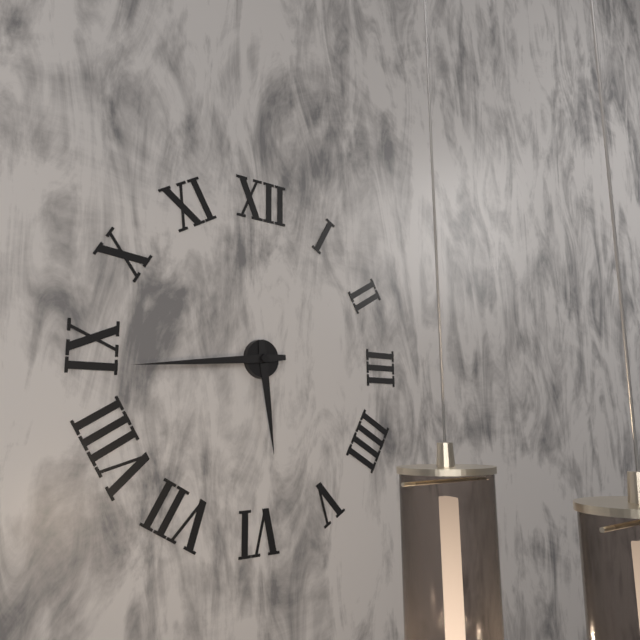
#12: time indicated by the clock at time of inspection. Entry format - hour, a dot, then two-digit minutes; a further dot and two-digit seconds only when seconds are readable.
5.44
